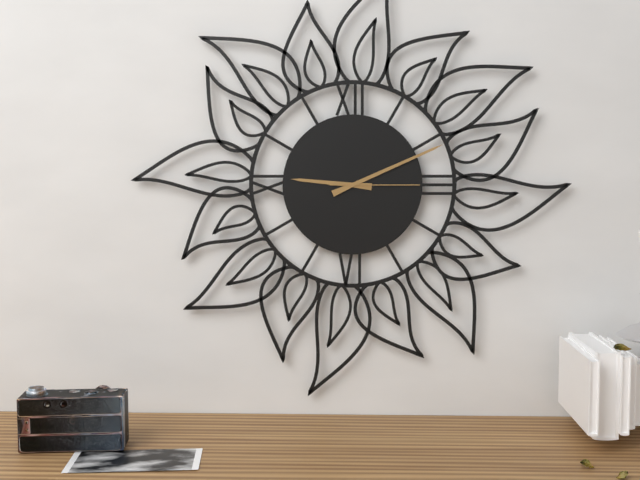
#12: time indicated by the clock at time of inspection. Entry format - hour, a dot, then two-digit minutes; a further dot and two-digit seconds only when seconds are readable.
9.11.15
